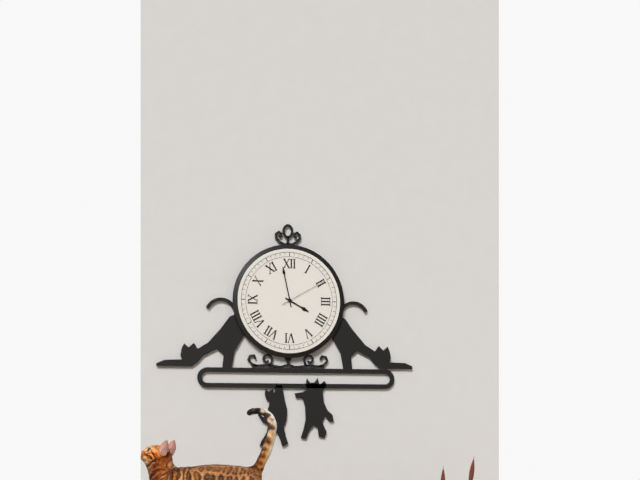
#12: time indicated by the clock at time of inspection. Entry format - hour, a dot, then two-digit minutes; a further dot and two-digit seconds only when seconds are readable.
3.58.10
